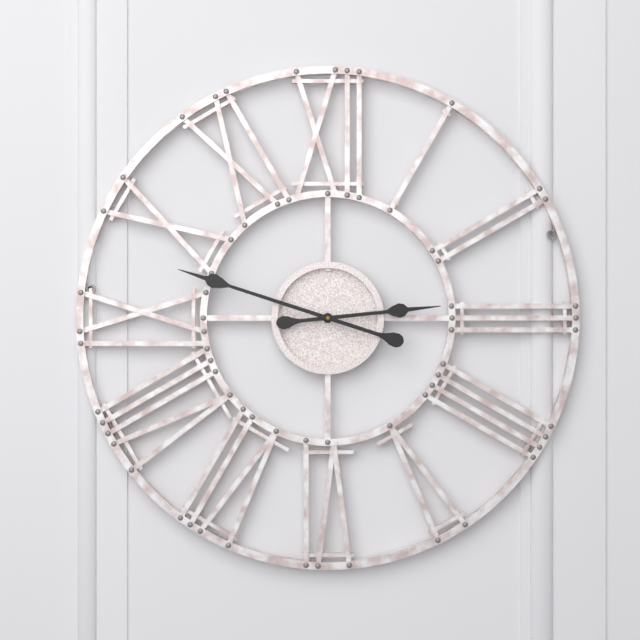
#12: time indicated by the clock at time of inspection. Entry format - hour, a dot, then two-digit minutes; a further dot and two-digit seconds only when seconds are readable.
2.48
